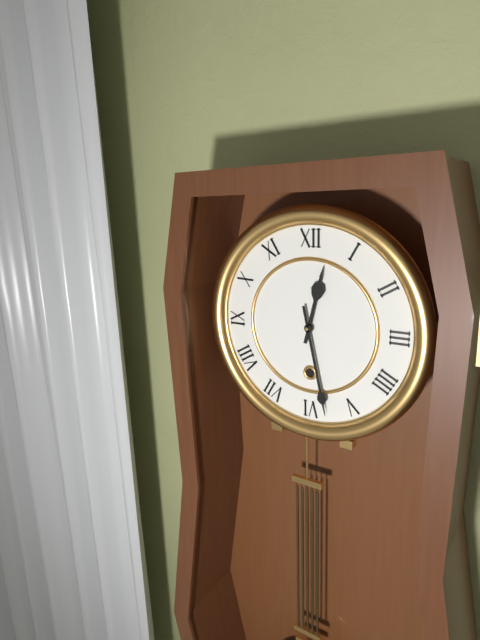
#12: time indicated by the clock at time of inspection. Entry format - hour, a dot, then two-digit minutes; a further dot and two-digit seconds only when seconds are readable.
12.28
